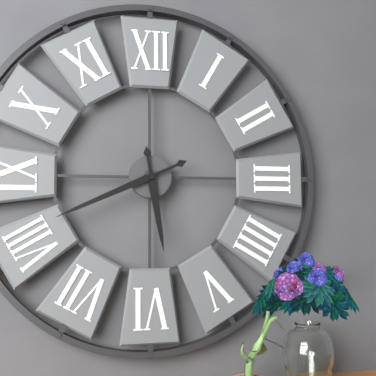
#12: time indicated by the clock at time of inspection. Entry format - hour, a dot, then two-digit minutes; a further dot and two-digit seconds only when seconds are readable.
5.41
